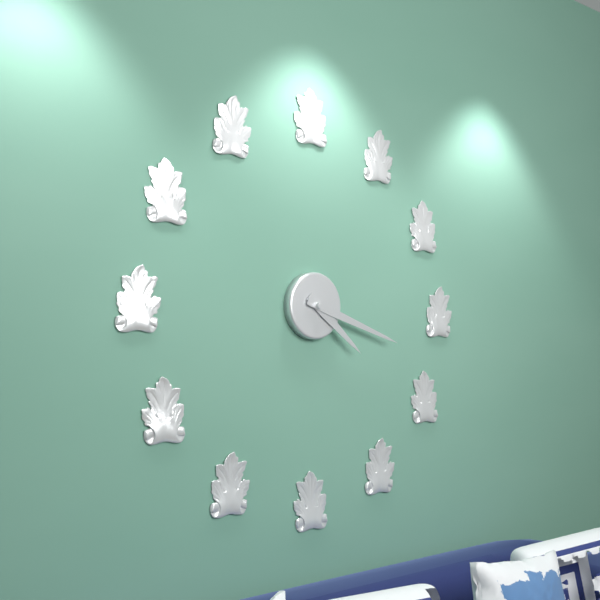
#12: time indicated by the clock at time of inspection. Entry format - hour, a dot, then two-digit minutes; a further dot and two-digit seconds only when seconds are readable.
4.18
